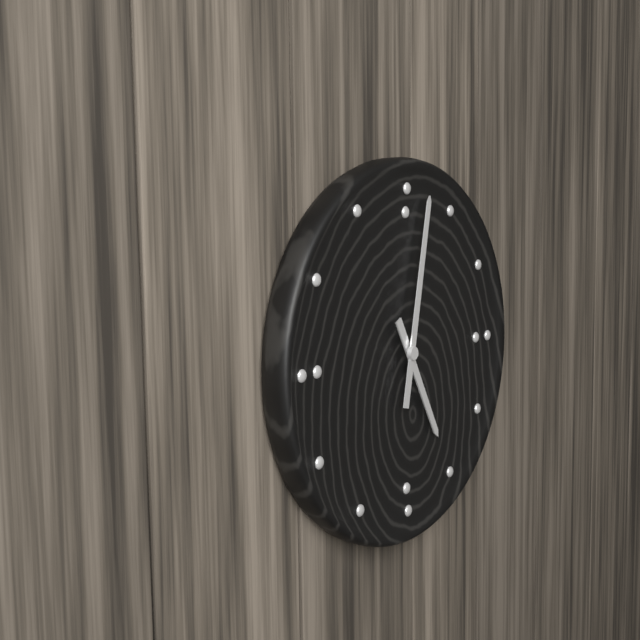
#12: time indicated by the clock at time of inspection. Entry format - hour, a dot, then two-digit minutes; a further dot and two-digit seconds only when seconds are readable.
5.02
